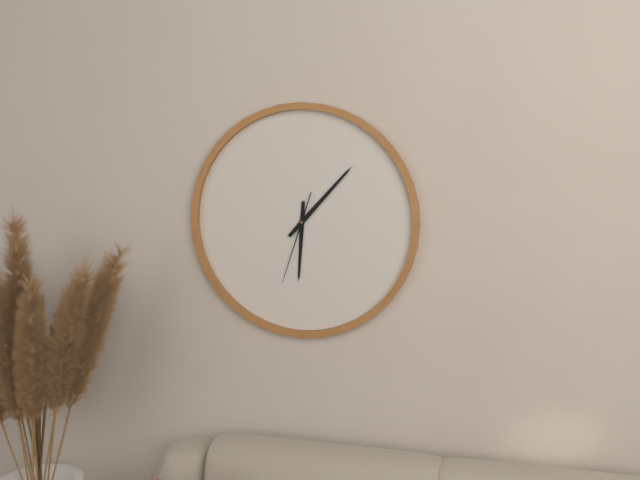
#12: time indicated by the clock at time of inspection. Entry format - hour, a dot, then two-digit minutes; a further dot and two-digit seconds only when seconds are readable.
6.07.33
